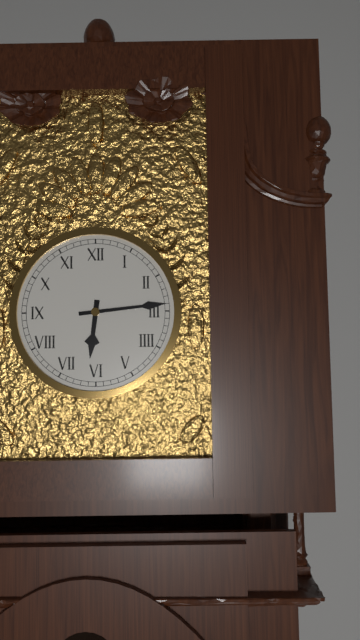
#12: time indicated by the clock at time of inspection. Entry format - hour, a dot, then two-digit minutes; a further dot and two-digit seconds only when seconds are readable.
6.14
